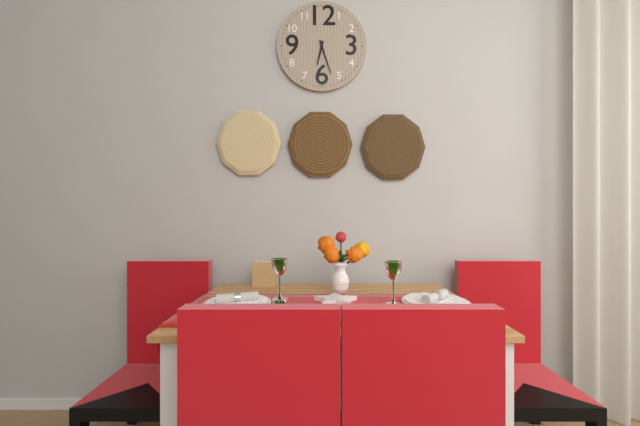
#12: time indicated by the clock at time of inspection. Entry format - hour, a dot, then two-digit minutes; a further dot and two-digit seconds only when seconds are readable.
6.27
